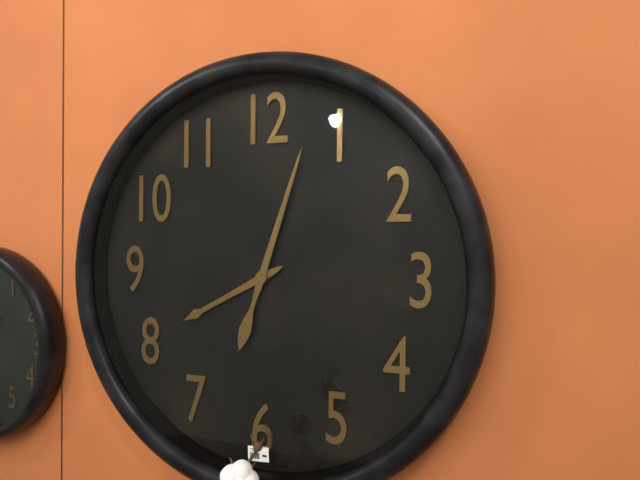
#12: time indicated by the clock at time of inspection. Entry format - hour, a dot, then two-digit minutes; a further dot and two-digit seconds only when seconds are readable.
8.03
